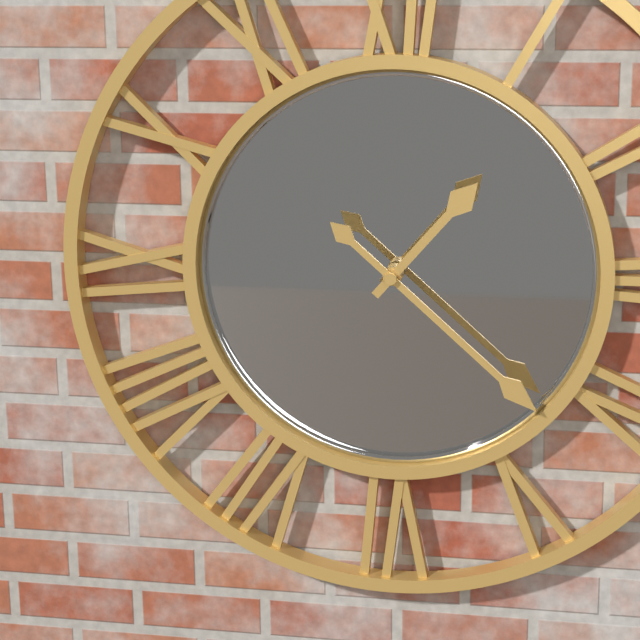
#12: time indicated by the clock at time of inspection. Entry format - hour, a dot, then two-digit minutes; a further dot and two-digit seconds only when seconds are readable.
1.22
